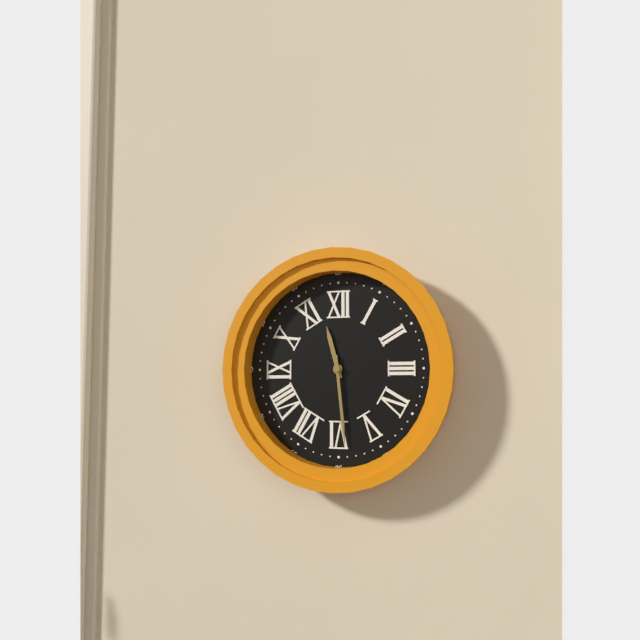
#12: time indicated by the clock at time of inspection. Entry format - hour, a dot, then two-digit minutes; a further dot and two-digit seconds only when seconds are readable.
11.29
